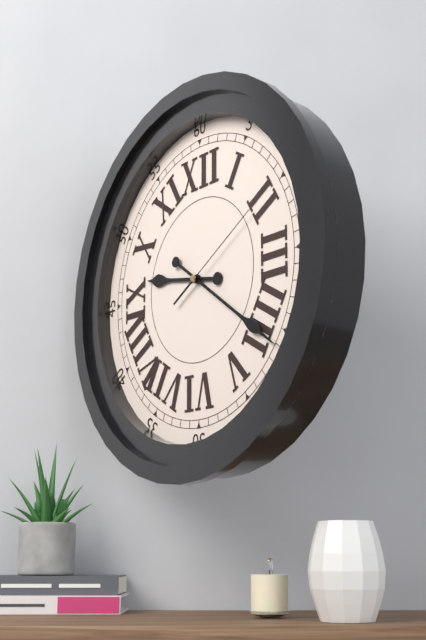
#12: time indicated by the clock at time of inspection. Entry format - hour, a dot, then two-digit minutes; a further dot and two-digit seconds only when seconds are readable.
9.21.10
